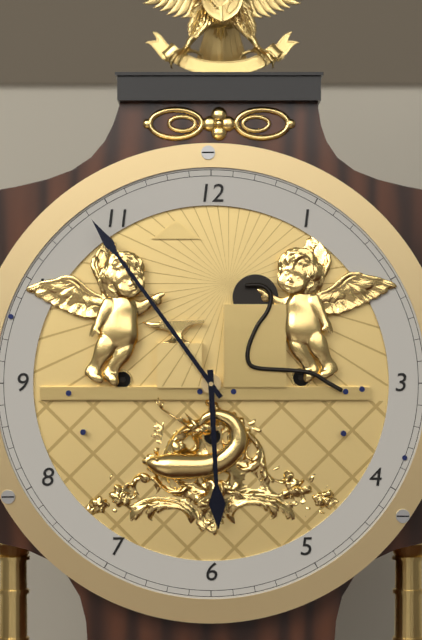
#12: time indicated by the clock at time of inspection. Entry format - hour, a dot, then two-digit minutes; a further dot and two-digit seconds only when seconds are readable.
5.54
